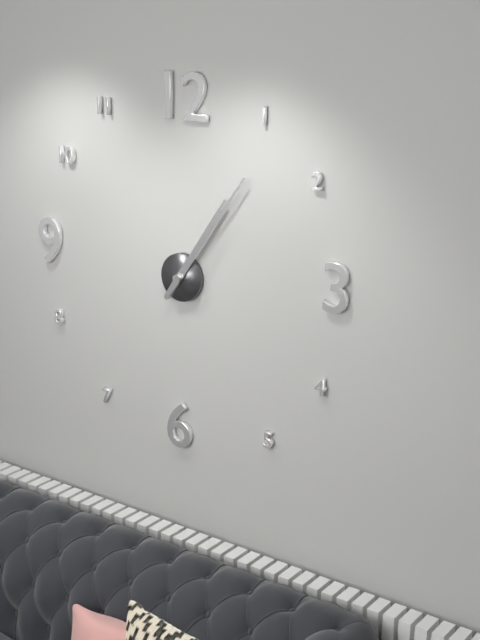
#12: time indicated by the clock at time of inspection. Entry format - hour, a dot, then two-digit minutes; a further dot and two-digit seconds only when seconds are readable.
1.06
